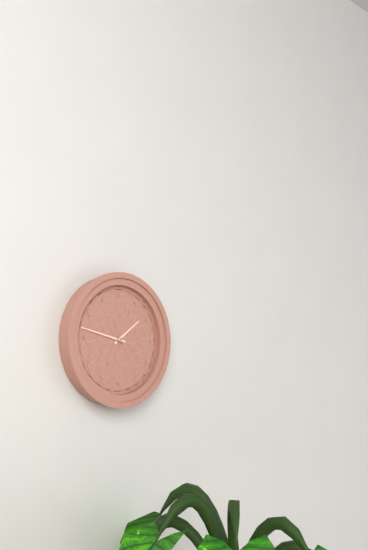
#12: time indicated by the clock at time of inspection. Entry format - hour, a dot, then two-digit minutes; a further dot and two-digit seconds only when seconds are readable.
1.47
